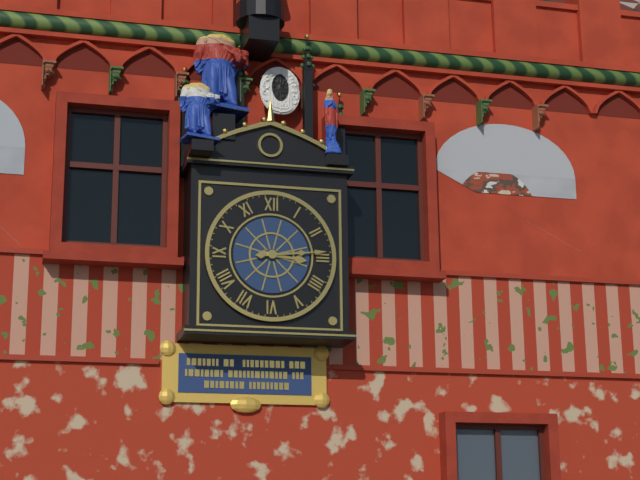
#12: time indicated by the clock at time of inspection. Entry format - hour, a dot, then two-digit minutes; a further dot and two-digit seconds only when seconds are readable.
3.14
